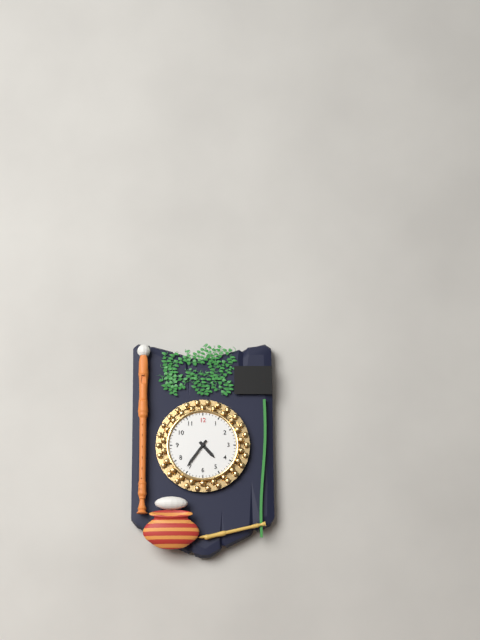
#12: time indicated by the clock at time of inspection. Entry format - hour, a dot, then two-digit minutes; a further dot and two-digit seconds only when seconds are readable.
4.36
